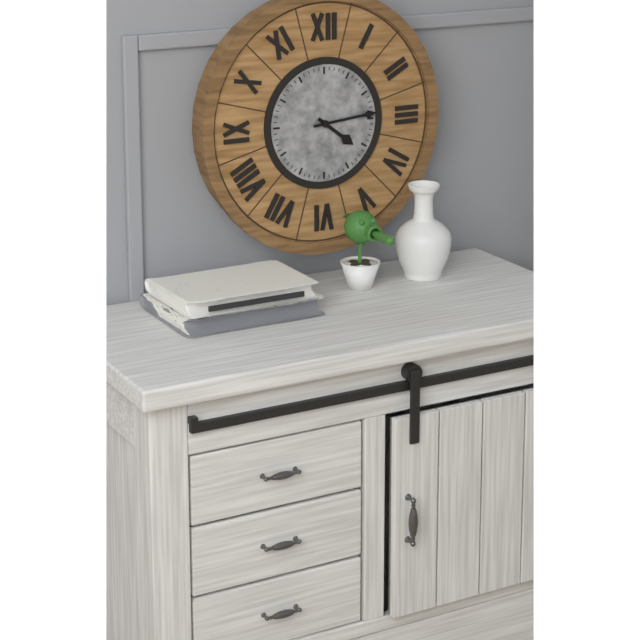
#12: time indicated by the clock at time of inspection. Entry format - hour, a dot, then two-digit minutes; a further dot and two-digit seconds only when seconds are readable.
4.14
